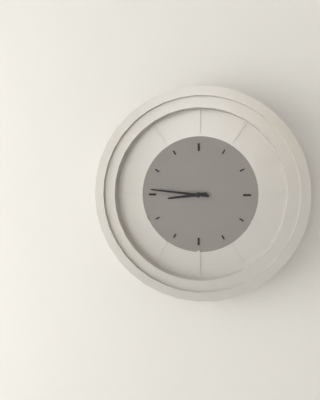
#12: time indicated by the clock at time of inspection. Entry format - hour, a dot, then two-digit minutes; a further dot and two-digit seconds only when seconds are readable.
8.46
